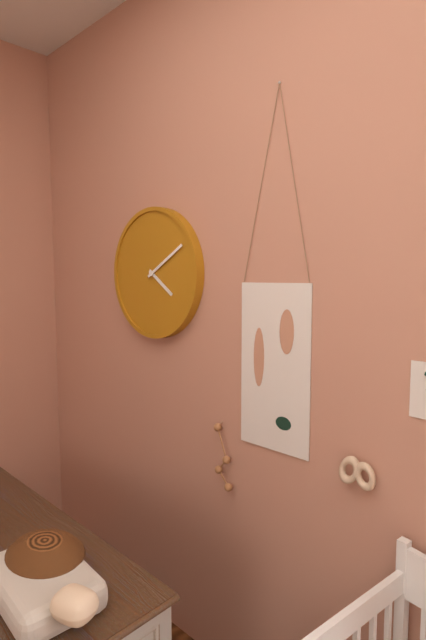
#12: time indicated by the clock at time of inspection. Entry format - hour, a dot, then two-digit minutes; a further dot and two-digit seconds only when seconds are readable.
4.10
